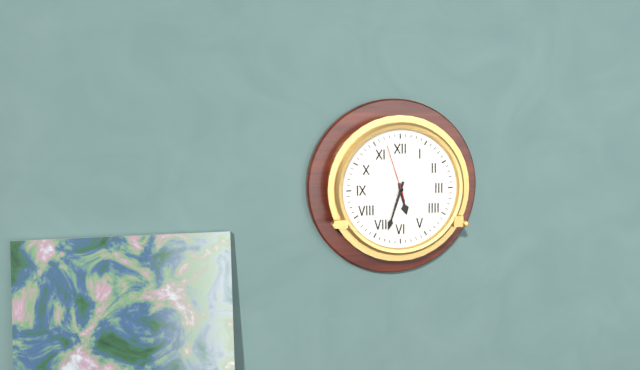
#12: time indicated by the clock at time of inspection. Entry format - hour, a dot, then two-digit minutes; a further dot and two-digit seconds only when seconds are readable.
5.33.57
